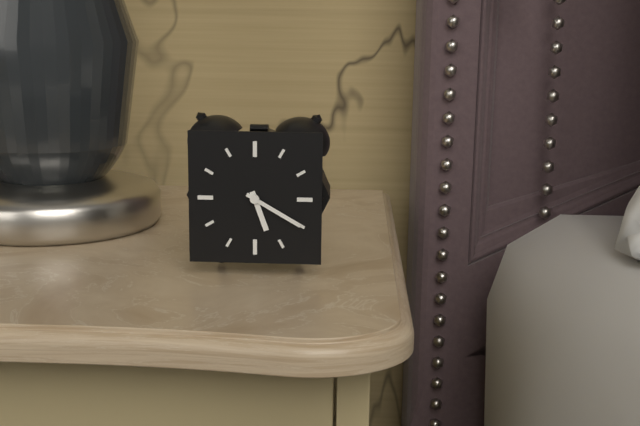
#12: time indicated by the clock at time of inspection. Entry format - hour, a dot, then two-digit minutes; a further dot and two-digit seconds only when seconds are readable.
5.20
